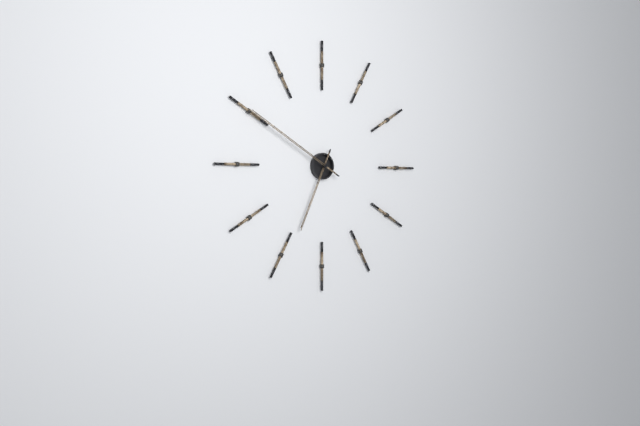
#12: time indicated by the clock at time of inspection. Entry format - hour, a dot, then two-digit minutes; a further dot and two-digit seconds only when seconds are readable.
6.50
